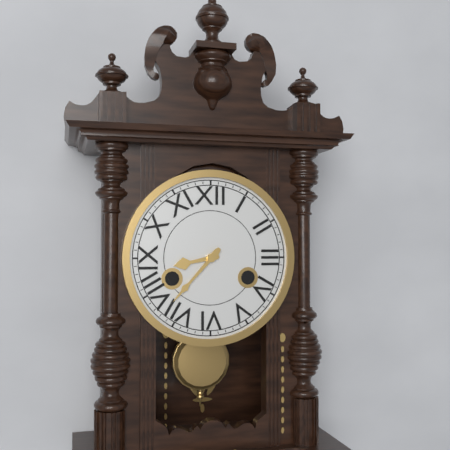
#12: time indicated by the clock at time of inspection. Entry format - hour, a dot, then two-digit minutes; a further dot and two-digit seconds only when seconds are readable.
8.37
